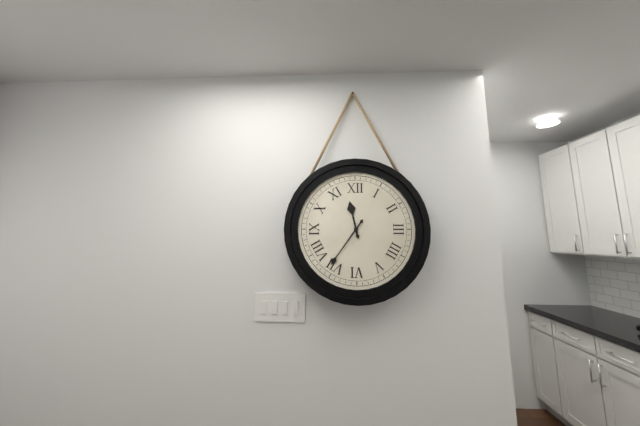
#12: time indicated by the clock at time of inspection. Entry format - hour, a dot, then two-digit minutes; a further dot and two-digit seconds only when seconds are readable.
11.36
